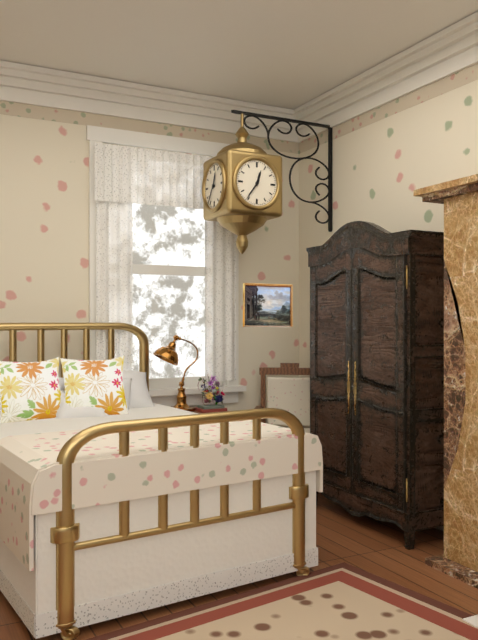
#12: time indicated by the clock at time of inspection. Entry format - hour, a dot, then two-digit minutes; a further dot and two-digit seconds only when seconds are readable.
12.36
